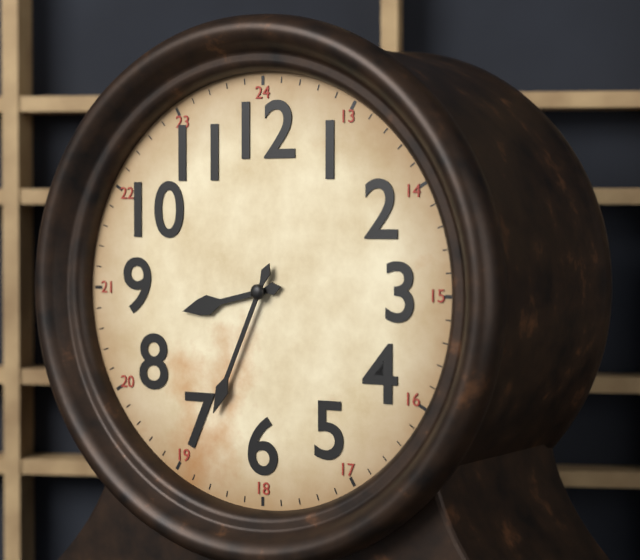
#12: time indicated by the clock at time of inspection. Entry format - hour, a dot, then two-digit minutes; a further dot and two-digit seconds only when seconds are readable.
8.34
